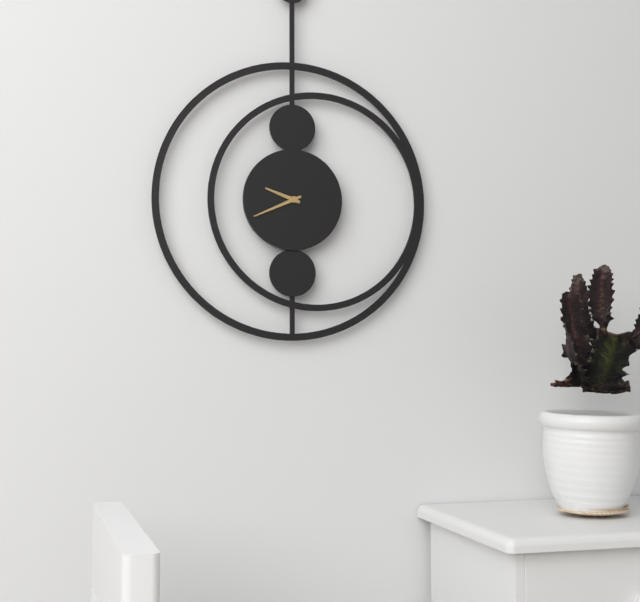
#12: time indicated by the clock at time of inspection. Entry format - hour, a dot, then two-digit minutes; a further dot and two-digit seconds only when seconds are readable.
9.41
